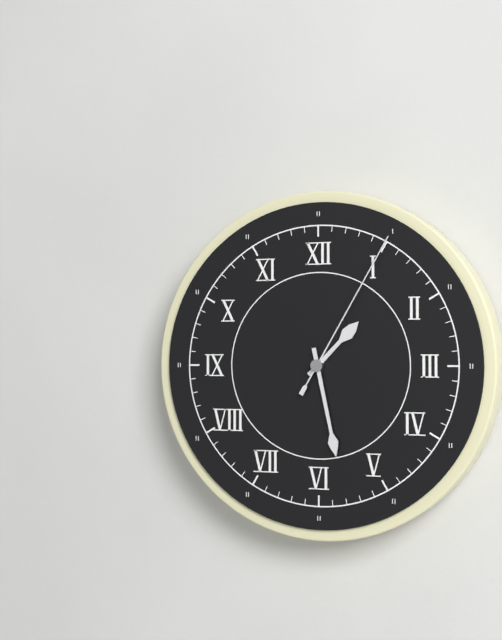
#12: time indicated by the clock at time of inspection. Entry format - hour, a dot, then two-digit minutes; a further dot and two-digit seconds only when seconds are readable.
1.28.05
